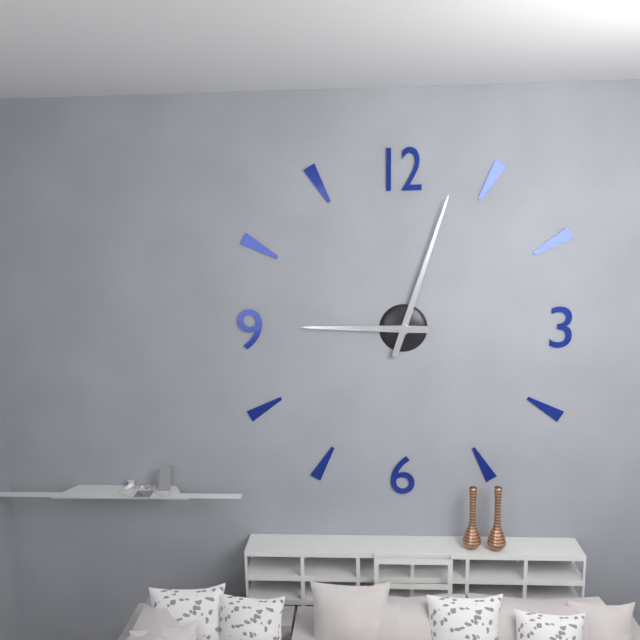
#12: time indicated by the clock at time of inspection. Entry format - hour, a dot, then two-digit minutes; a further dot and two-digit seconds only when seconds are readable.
9.03
